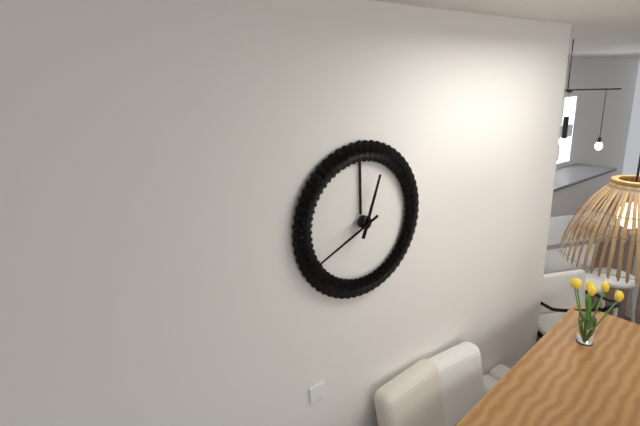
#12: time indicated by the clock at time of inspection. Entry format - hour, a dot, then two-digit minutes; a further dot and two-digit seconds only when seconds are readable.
12.41
